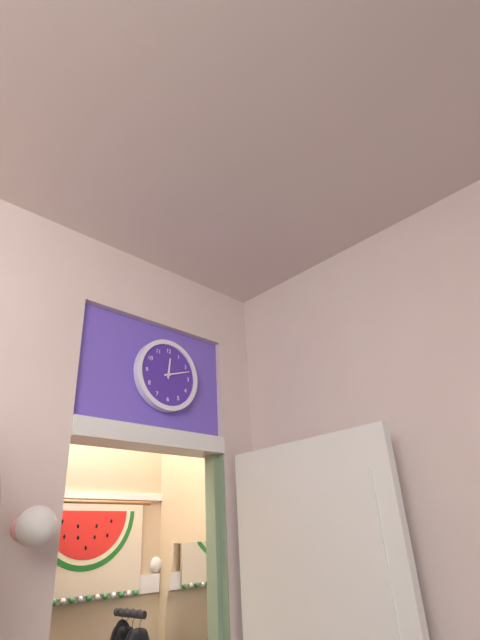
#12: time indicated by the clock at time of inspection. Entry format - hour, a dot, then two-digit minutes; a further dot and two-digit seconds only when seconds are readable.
12.12
